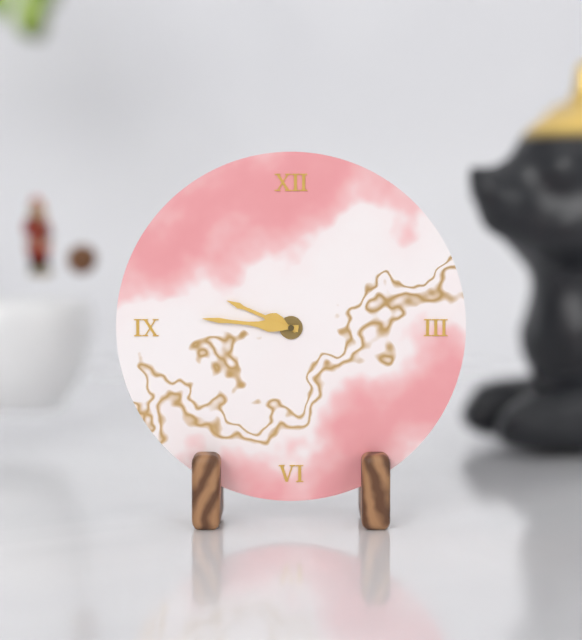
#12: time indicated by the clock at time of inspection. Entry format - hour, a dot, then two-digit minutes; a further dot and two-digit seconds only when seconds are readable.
9.46
